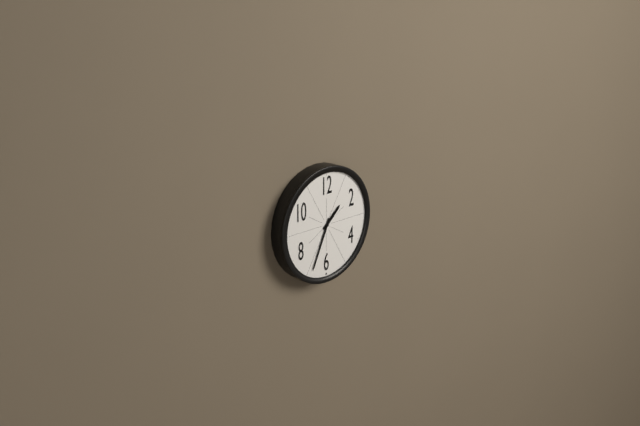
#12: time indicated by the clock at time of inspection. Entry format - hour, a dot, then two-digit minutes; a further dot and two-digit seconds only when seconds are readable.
1.34
